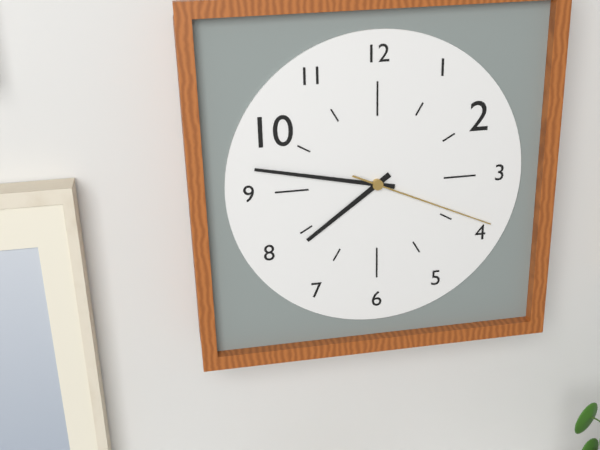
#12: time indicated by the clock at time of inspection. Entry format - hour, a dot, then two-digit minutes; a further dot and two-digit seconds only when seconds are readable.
7.47.19
